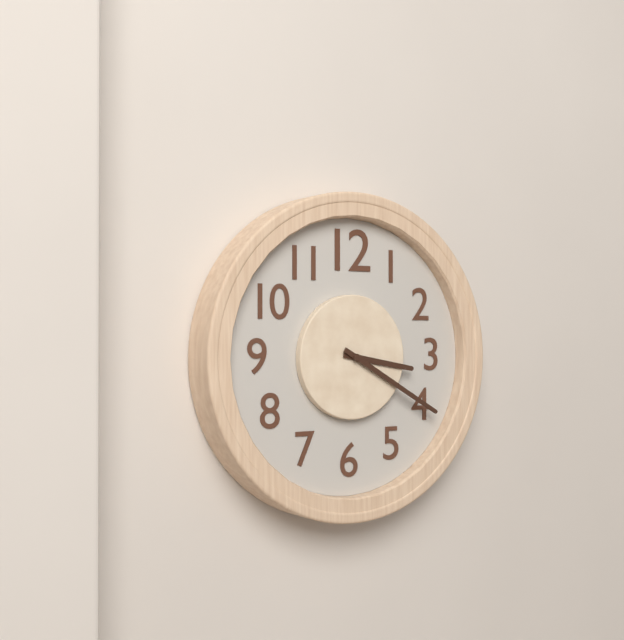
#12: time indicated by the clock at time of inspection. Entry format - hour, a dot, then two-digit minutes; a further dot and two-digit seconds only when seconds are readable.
3.20
